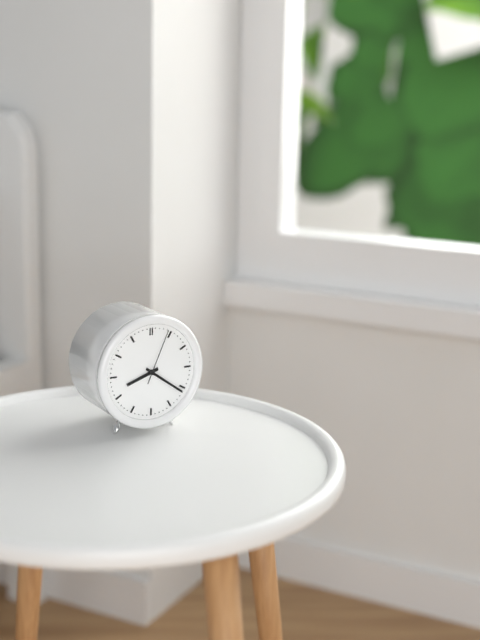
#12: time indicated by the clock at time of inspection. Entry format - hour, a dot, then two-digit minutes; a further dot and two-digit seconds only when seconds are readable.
8.21.04
